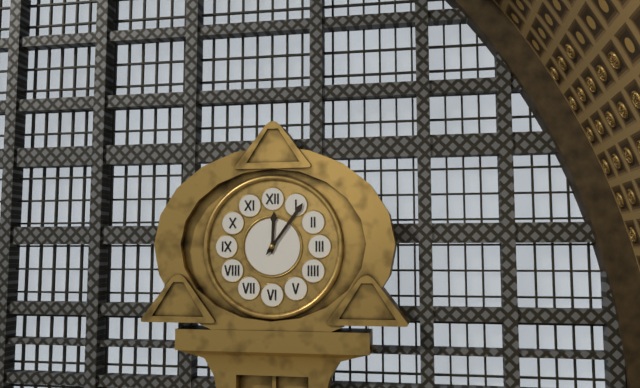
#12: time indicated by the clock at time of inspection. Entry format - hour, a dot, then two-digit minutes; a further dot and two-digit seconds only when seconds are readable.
12.06
